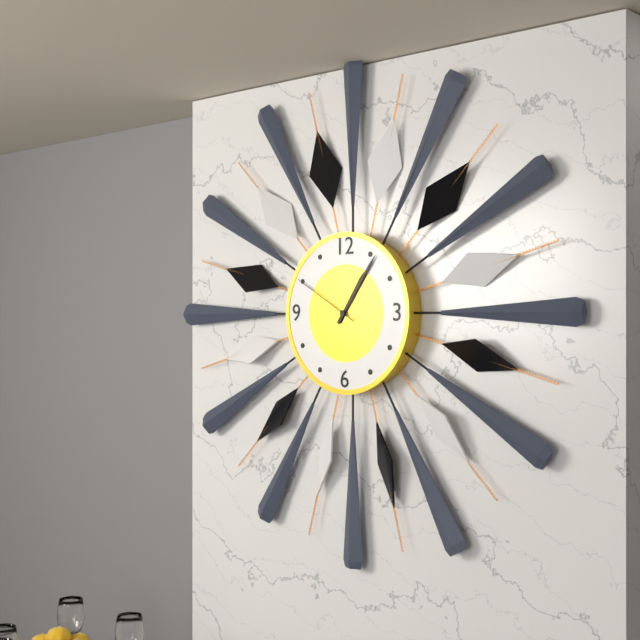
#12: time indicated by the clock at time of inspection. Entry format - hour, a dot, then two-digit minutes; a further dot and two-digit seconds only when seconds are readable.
1.06.50
